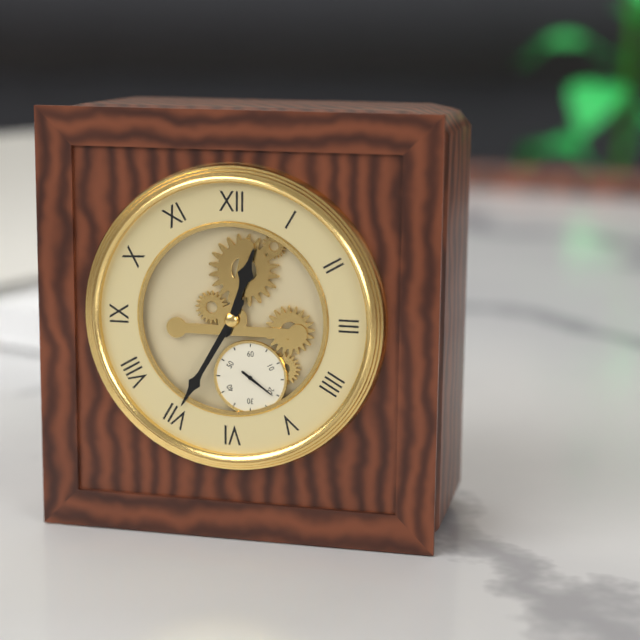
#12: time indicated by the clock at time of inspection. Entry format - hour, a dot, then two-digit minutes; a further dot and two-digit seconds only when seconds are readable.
12.35
